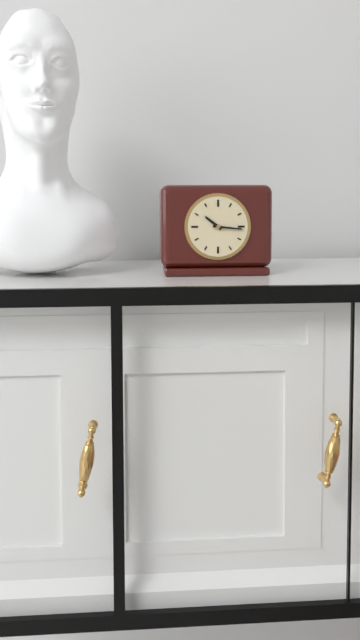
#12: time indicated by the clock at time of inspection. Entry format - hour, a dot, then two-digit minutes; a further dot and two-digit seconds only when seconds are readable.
10.16
